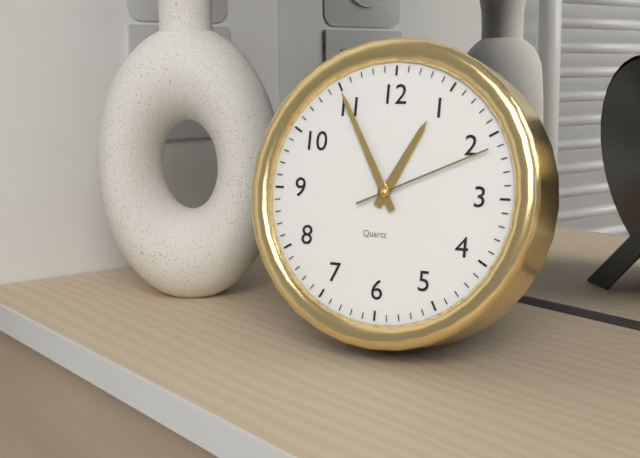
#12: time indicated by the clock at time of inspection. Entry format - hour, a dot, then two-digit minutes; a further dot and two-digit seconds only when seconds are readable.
12.55.11
